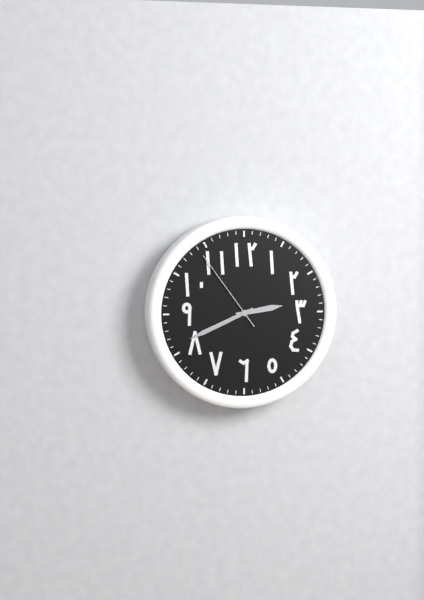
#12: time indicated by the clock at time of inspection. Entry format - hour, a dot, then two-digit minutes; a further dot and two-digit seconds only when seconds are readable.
2.41.54
